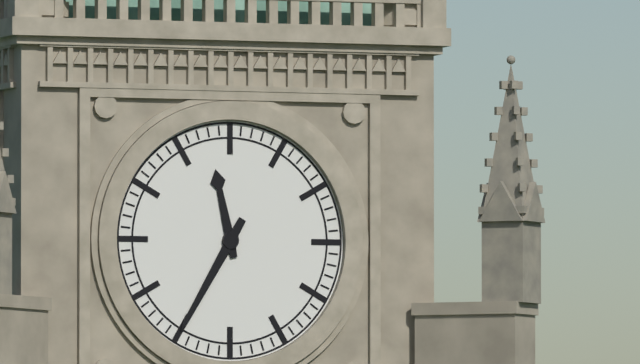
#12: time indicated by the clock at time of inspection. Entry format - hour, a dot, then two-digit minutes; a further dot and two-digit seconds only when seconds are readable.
11.35
